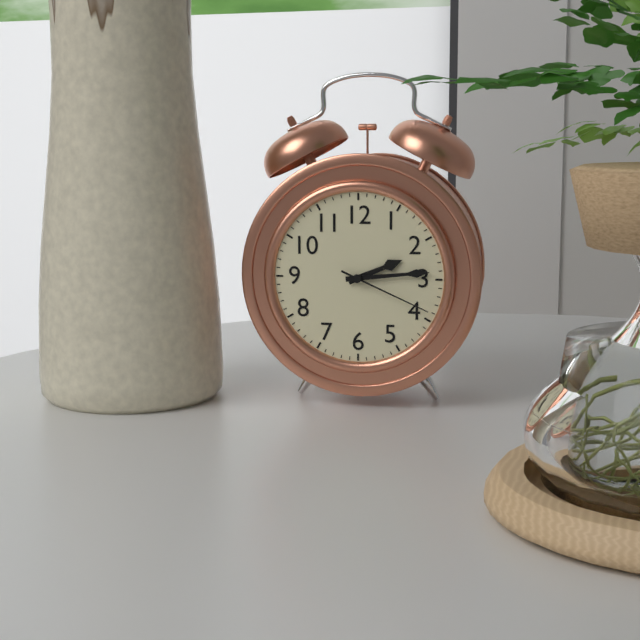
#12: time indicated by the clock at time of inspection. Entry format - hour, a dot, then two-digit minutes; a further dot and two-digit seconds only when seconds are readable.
2.14.19
